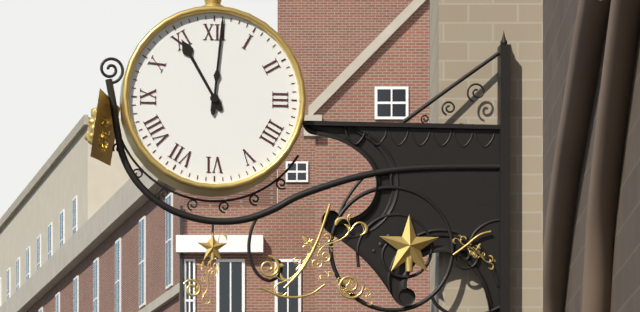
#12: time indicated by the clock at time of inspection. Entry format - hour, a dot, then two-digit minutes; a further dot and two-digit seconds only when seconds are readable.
11.01
